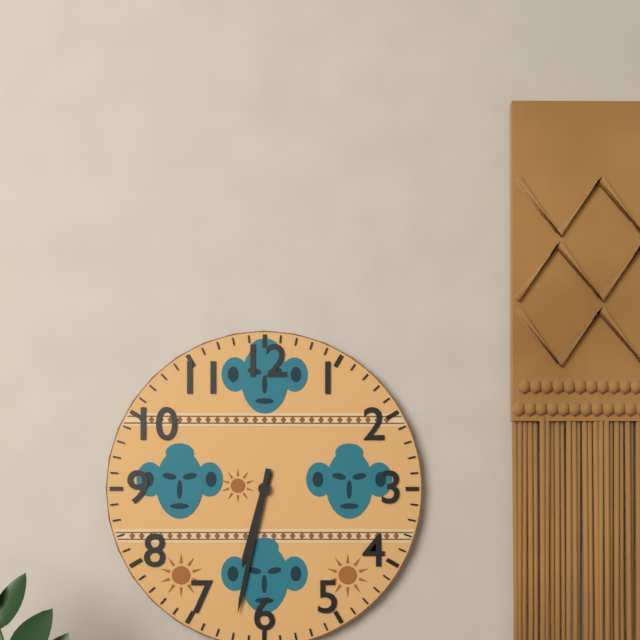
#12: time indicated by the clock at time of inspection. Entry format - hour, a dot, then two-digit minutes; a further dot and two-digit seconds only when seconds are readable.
6.32
